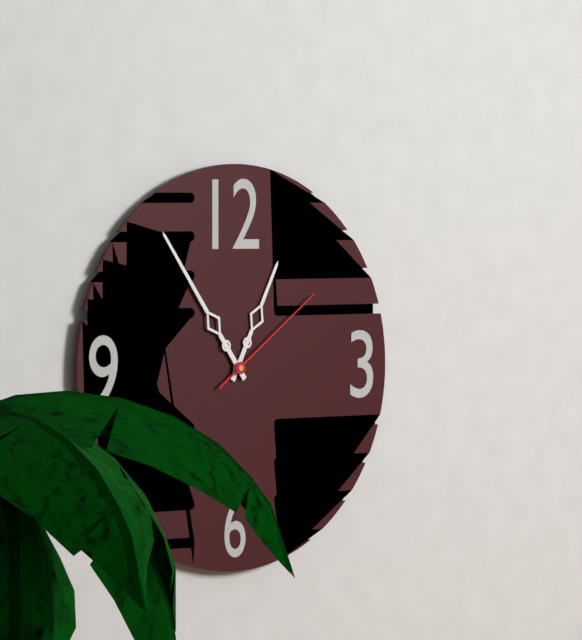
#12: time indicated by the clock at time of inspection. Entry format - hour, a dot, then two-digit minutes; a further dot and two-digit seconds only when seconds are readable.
12.54.09
